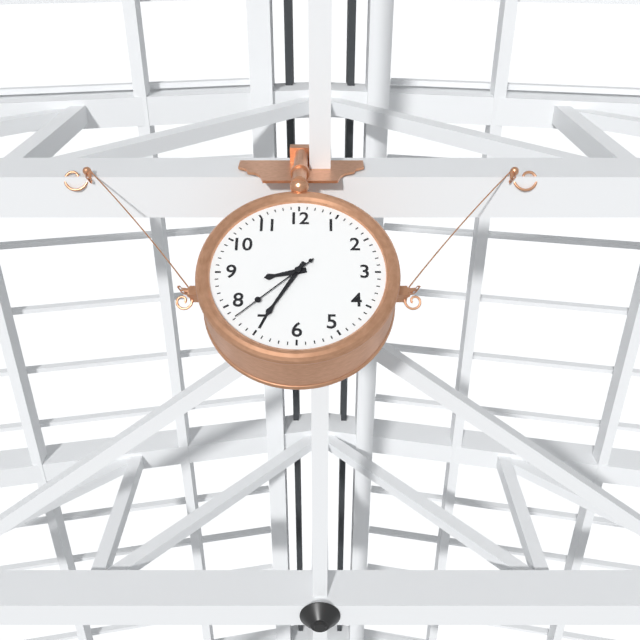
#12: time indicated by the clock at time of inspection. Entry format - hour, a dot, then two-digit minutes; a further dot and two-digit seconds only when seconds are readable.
8.35.38
